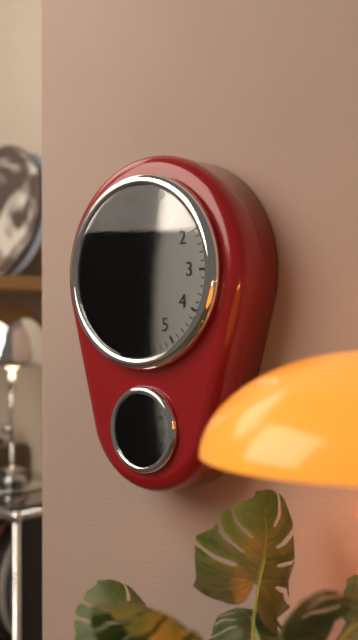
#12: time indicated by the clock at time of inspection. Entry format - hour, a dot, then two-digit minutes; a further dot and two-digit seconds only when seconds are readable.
5.30.06
